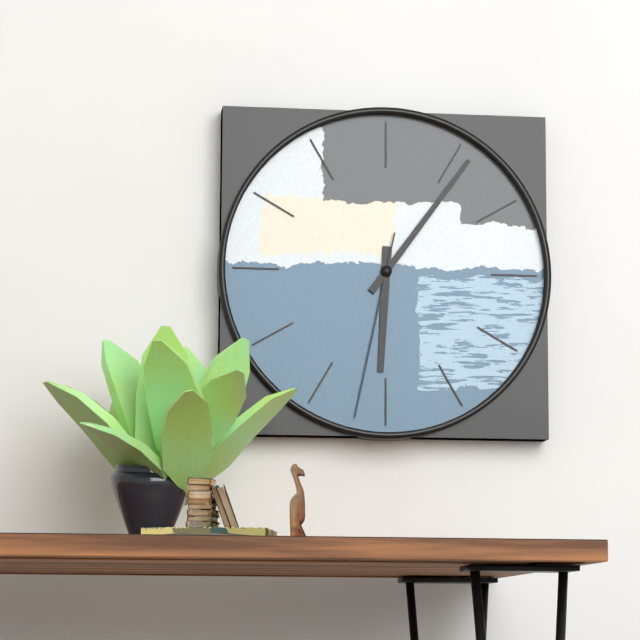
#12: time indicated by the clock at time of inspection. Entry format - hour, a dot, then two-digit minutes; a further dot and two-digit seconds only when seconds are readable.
6.06.32
